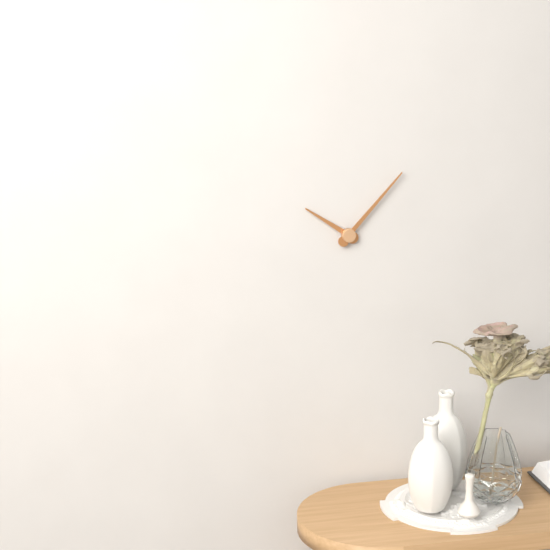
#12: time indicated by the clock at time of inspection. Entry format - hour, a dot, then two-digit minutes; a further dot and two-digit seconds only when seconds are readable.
10.07
